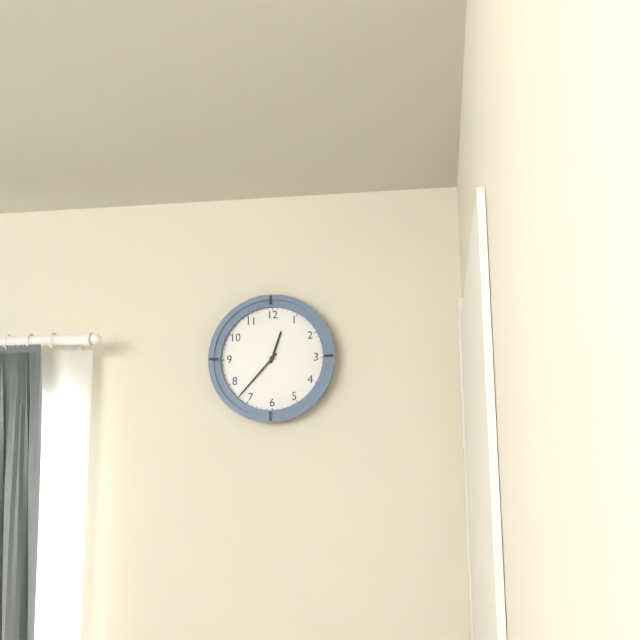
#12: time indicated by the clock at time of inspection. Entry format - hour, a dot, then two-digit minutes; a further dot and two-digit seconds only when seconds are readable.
12.37
